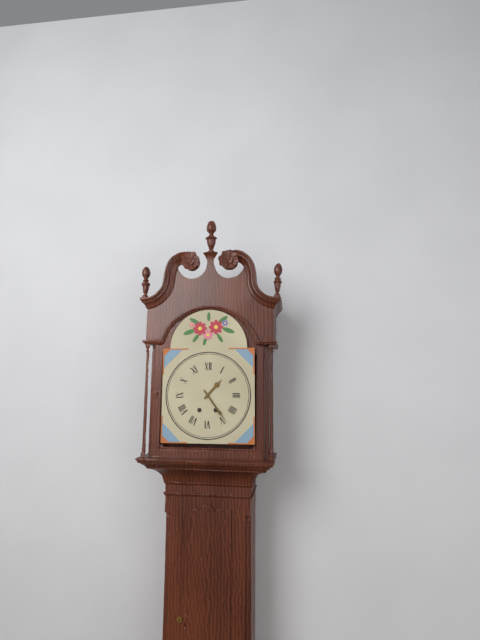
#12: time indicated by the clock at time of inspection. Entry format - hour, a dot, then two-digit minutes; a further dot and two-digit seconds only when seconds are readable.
1.24
